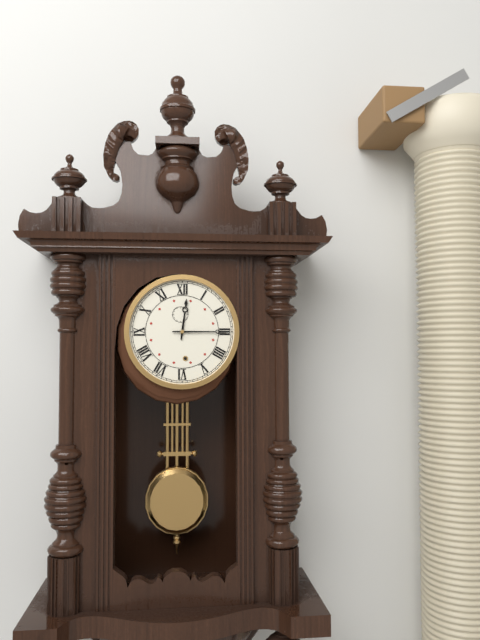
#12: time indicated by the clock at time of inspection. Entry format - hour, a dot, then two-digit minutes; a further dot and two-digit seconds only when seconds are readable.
12.15
